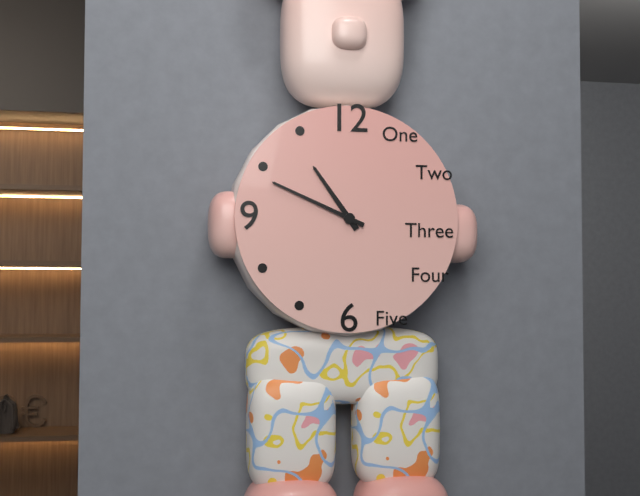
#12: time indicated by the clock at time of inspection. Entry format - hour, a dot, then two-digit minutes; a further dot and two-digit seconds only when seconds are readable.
10.49
